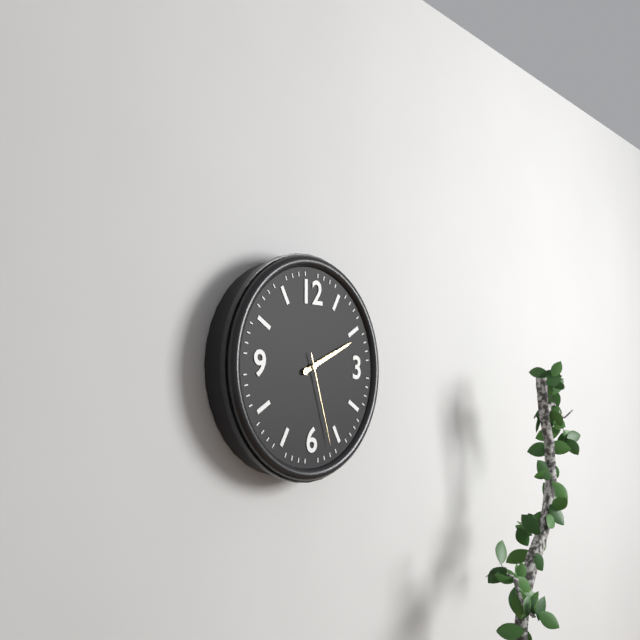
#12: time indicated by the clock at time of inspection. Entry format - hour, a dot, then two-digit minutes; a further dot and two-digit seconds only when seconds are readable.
2.11.27
